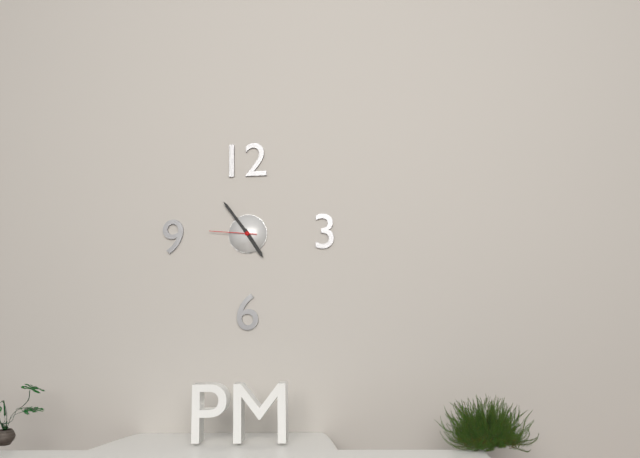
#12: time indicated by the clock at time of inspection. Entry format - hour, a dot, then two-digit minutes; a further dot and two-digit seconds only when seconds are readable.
4.54
